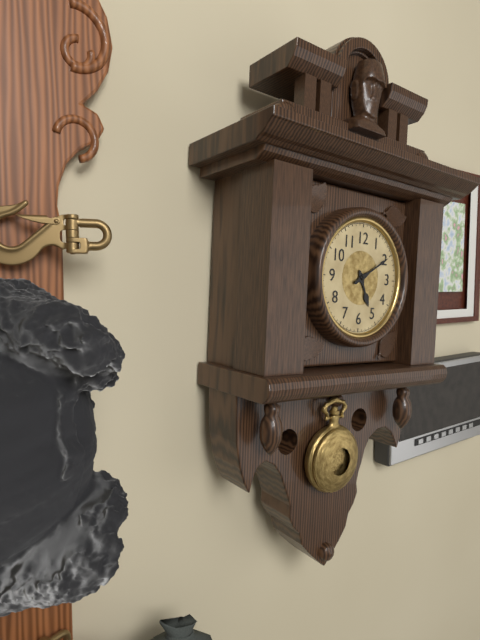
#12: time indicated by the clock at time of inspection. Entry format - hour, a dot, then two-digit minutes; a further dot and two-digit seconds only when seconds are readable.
5.10
